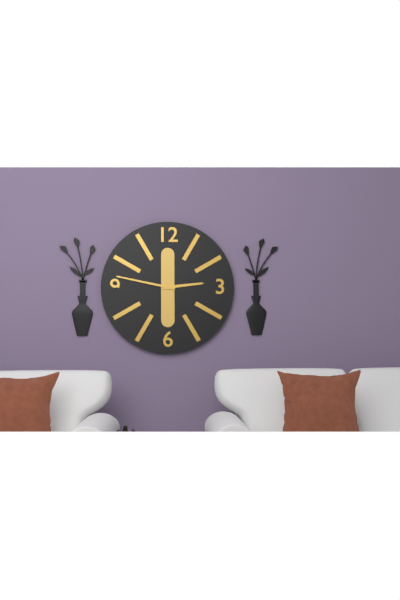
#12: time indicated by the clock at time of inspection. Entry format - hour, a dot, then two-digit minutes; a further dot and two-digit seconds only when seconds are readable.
2.47
